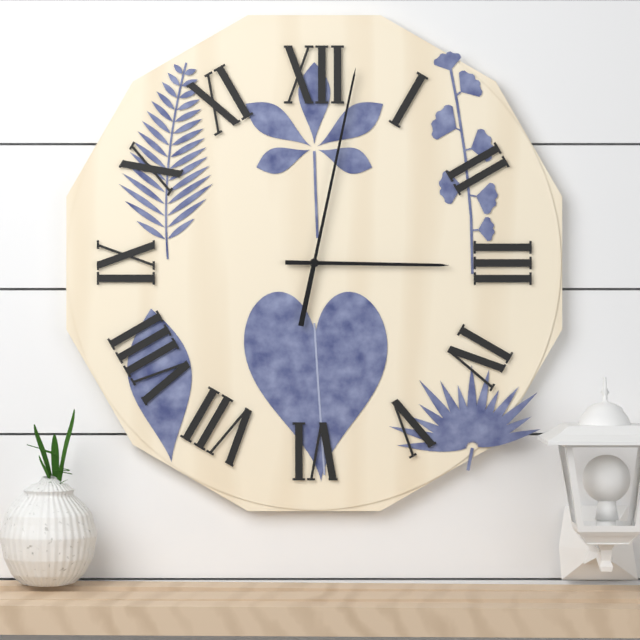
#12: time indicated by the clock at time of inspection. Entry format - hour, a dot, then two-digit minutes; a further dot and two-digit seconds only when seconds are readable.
3.02
